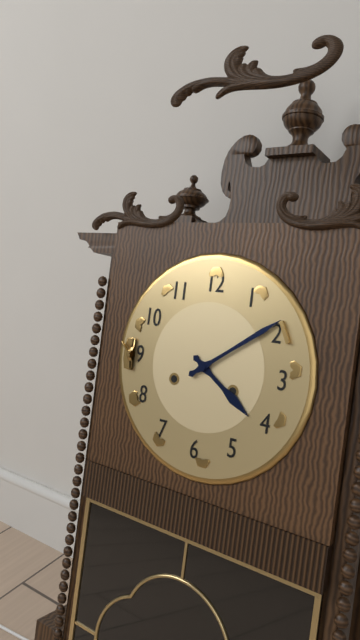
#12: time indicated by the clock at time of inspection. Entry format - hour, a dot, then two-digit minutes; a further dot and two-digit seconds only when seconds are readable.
4.09
